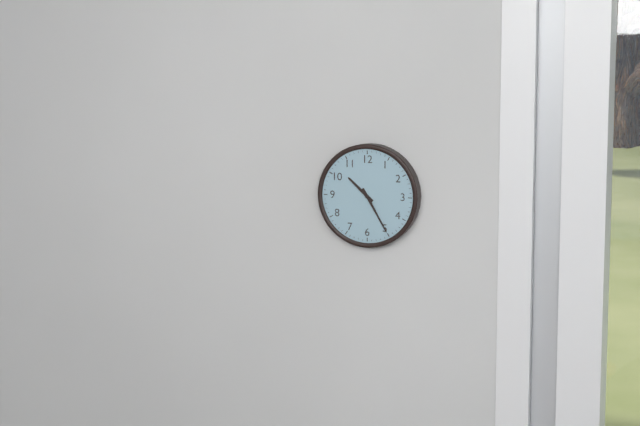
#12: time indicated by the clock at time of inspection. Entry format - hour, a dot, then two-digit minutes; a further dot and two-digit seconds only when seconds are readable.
10.25
